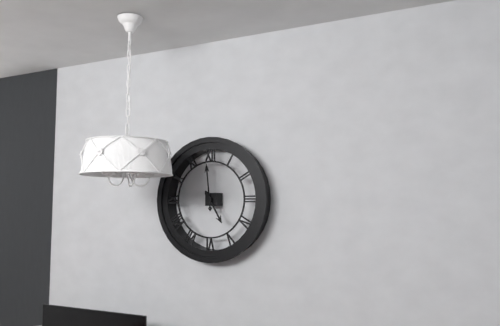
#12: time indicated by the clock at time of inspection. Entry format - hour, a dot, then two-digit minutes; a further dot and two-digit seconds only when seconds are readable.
4.59
